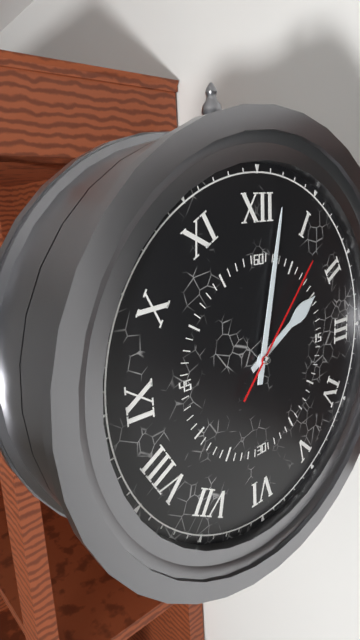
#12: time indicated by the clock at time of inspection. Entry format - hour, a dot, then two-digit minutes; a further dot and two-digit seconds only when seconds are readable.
2.02.07
